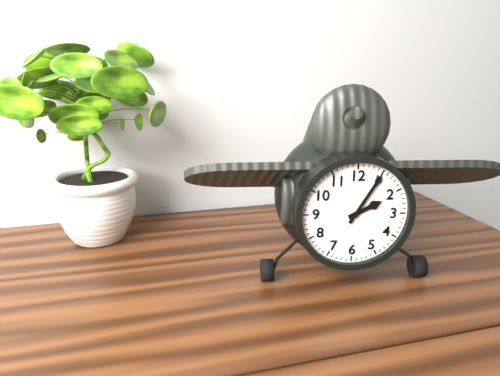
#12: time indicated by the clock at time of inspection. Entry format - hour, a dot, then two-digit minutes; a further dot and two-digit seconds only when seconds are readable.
2.05
